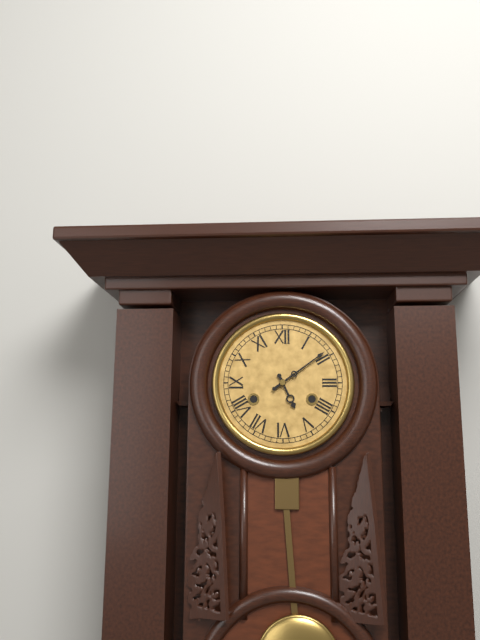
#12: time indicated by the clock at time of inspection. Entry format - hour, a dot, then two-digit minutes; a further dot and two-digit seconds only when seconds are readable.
5.09
